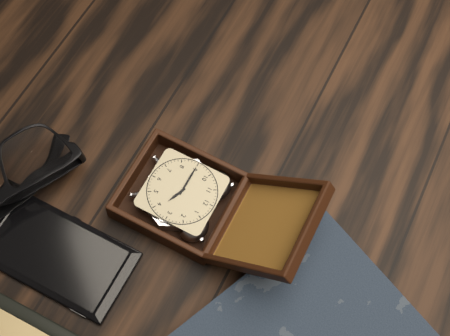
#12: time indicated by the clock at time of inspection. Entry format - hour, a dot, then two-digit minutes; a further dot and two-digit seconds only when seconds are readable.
3.45
